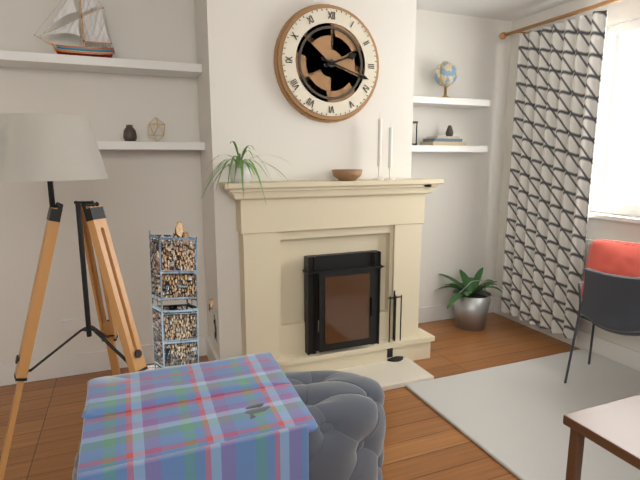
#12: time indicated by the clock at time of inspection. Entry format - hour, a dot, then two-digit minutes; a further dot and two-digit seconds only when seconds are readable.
2.18
